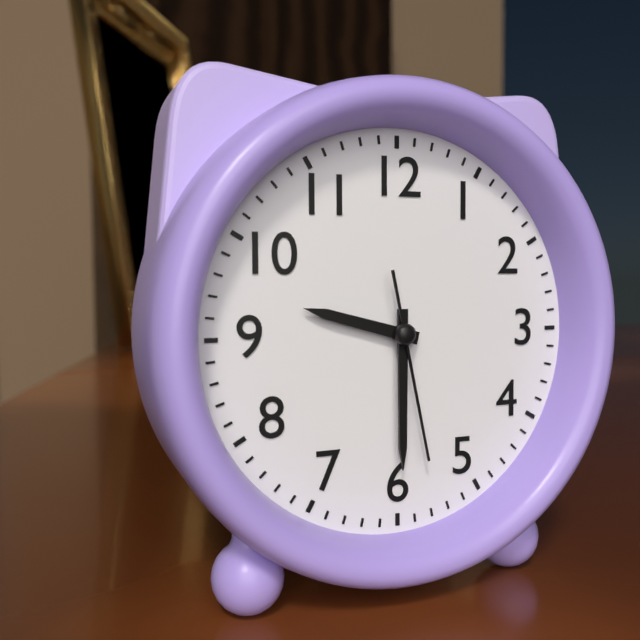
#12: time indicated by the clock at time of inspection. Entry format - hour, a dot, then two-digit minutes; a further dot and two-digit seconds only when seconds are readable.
9.30.28
